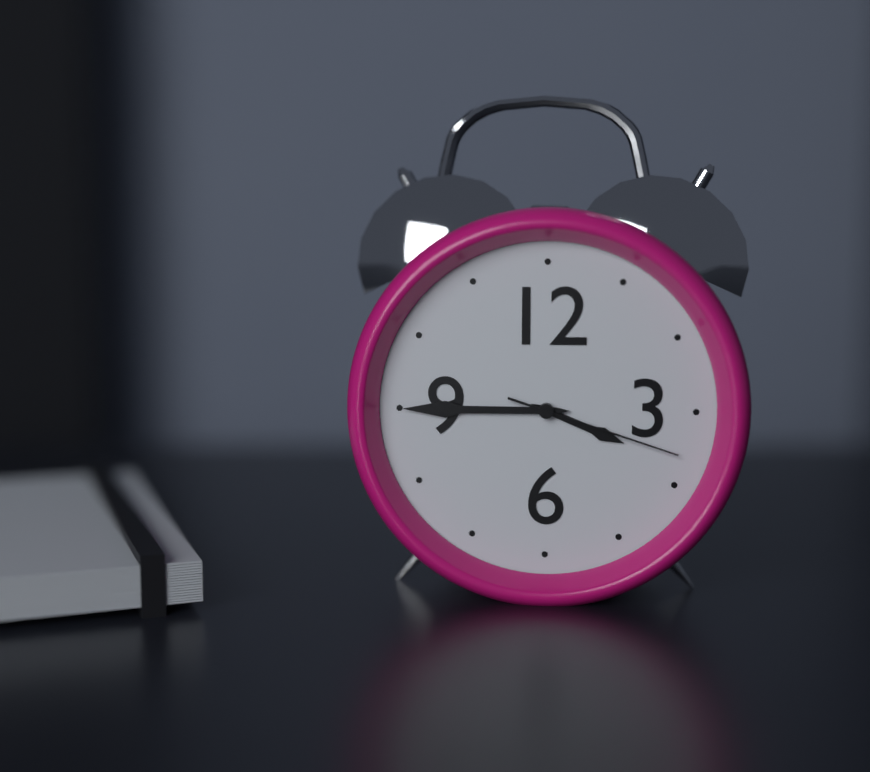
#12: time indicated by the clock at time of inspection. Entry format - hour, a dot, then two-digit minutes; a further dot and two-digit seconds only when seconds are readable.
3.45.18
